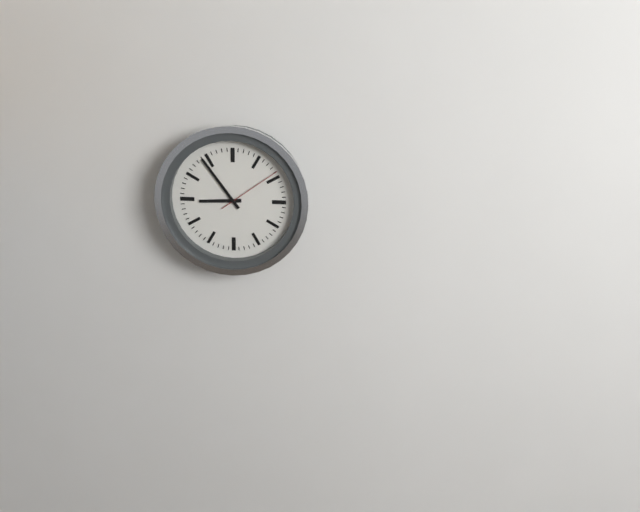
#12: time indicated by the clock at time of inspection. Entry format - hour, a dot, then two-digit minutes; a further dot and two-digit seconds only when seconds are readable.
8.54.09
